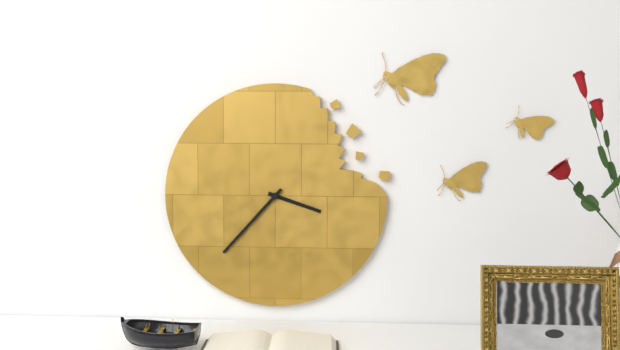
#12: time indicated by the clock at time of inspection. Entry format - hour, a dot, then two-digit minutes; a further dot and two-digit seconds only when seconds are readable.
3.37
